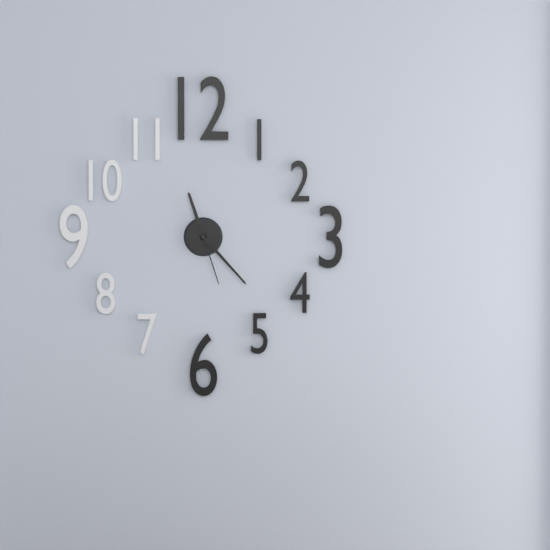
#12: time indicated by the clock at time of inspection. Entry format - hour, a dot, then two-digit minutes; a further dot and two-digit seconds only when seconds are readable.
11.23.27
